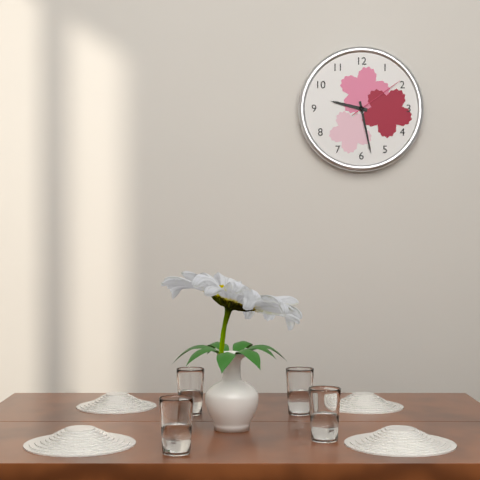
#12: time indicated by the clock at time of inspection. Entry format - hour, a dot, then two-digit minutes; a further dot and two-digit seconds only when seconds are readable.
9.28.09
